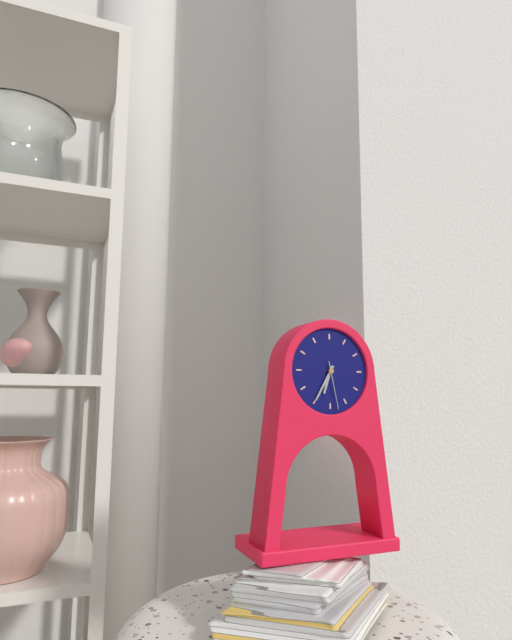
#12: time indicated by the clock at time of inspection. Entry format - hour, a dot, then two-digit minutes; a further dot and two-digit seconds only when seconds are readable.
6.35
